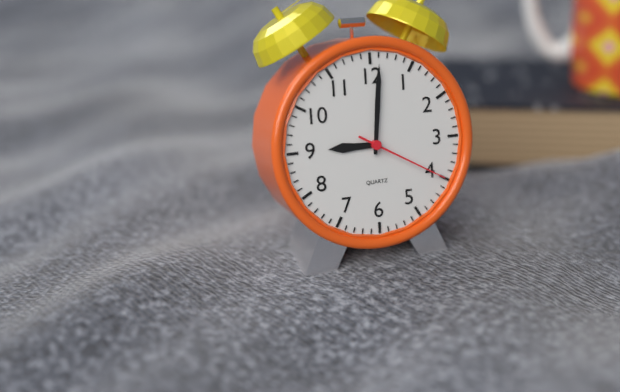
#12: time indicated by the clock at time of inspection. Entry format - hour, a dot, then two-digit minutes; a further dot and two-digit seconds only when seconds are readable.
9.01.20
